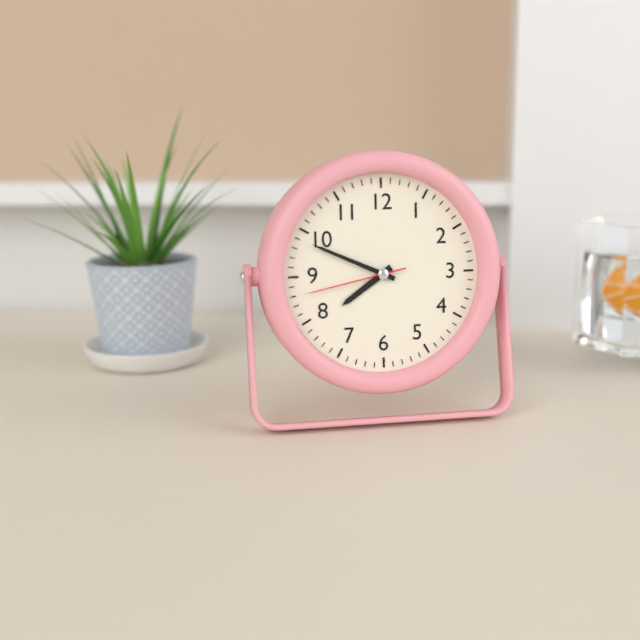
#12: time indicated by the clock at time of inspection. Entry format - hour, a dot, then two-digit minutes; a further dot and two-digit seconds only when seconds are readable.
7.49.43
